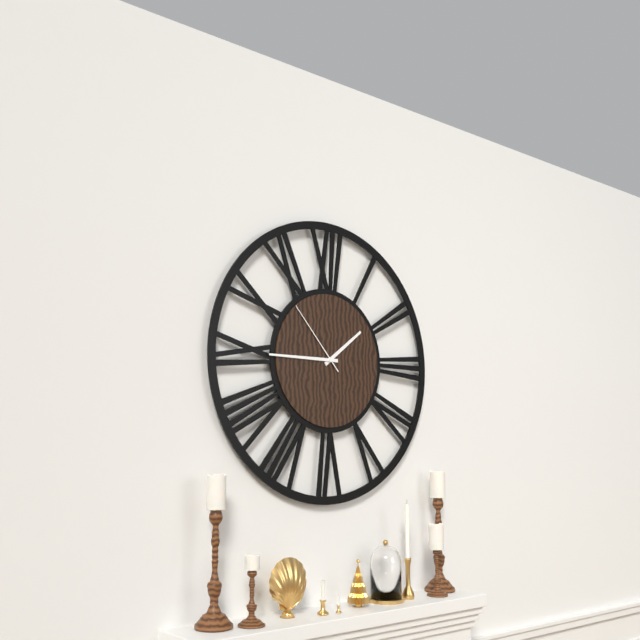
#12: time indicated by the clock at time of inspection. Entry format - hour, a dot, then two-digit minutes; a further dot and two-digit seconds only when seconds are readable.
1.45.53
